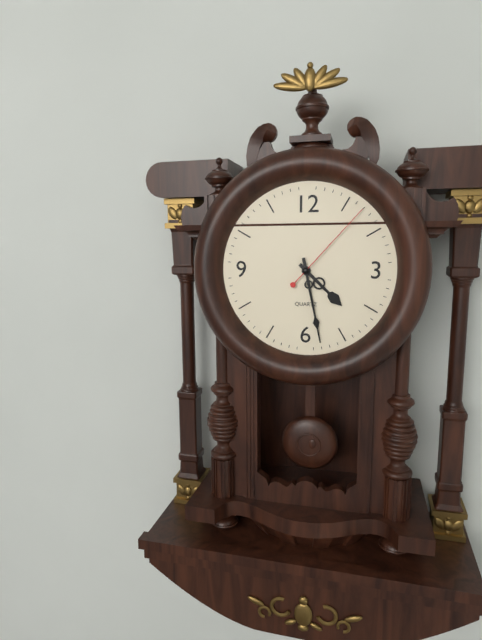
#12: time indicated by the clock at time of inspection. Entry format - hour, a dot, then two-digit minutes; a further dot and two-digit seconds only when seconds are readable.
4.28.07
